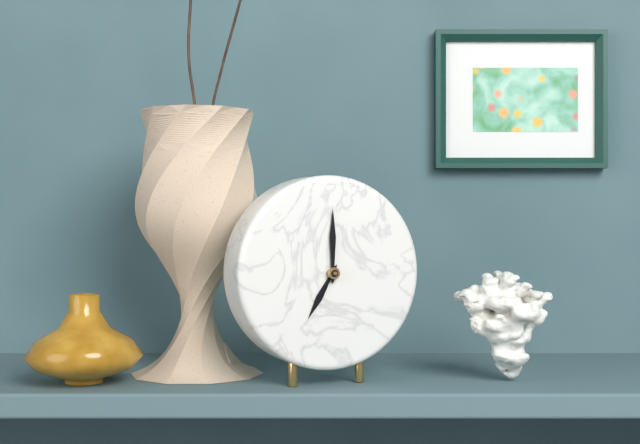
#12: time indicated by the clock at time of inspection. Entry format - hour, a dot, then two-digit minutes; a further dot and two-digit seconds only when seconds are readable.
7.00
